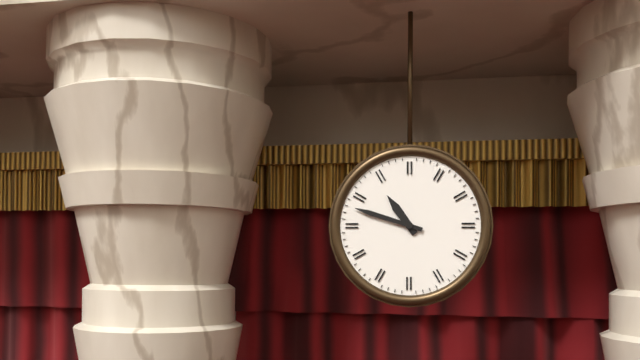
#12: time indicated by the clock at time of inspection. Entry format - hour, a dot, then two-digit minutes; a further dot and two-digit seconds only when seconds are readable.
10.48
